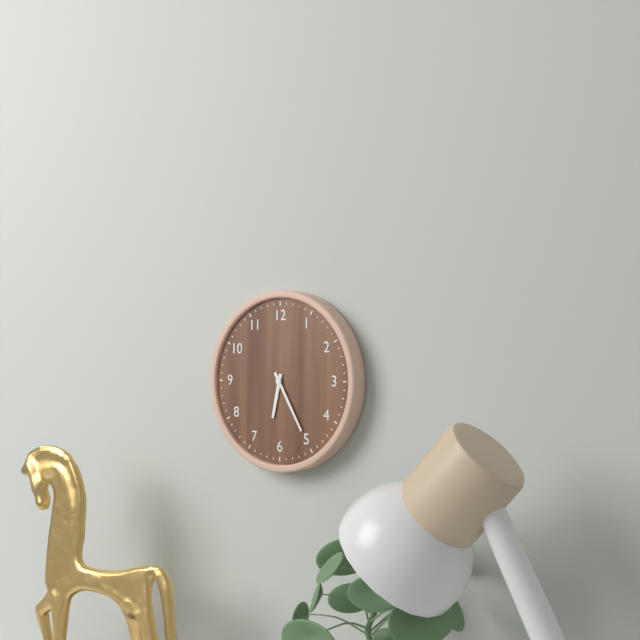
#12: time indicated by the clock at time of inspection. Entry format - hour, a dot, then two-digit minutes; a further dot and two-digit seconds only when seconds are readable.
6.25
